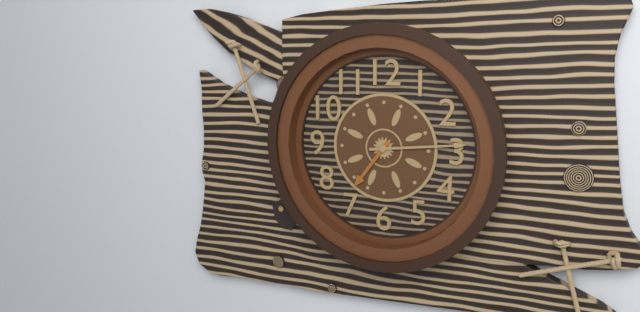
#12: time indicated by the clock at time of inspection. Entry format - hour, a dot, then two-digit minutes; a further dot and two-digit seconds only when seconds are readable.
7.14
